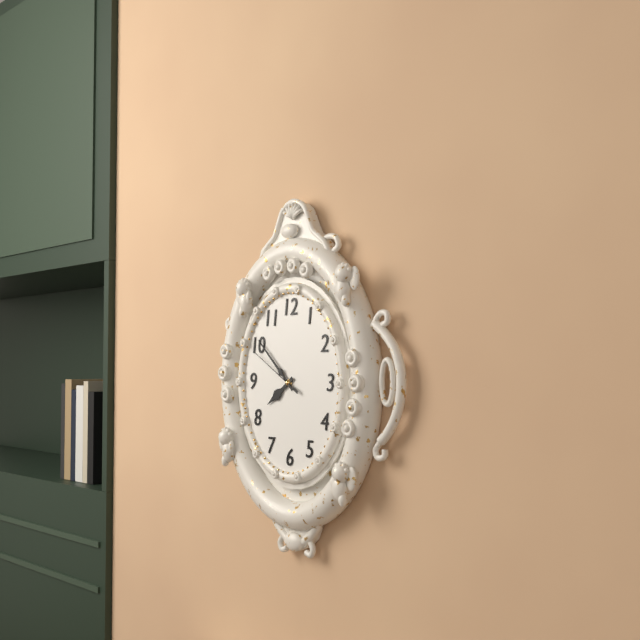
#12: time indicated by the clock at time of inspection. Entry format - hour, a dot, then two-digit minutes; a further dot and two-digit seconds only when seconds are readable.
7.52.50
